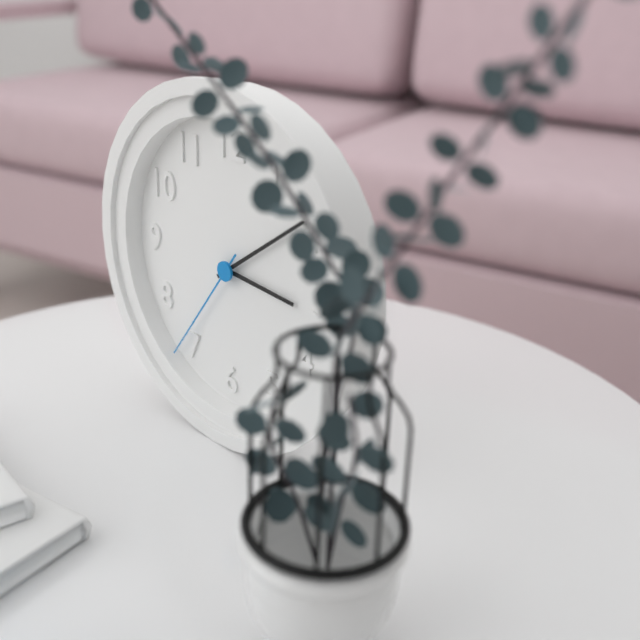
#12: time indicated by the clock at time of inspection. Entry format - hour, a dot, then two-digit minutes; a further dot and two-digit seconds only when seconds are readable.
3.09.36
